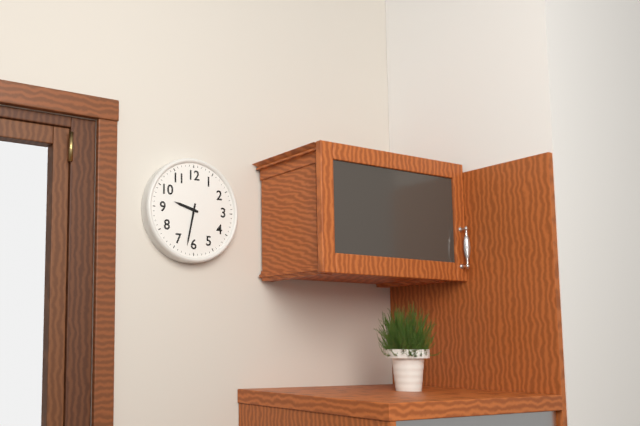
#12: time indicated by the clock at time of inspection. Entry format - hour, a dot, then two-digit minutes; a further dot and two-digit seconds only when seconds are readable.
9.32
